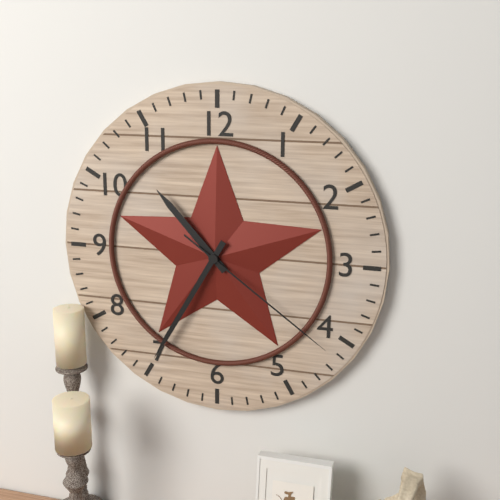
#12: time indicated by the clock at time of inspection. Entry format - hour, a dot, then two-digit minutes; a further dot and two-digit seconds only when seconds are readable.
10.35.21
